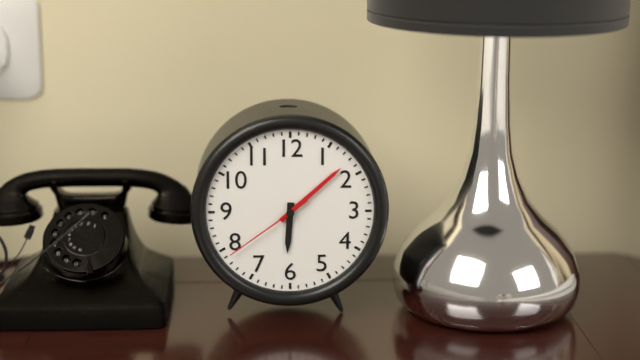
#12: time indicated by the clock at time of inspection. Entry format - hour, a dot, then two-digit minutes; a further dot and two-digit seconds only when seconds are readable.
6.08.39
